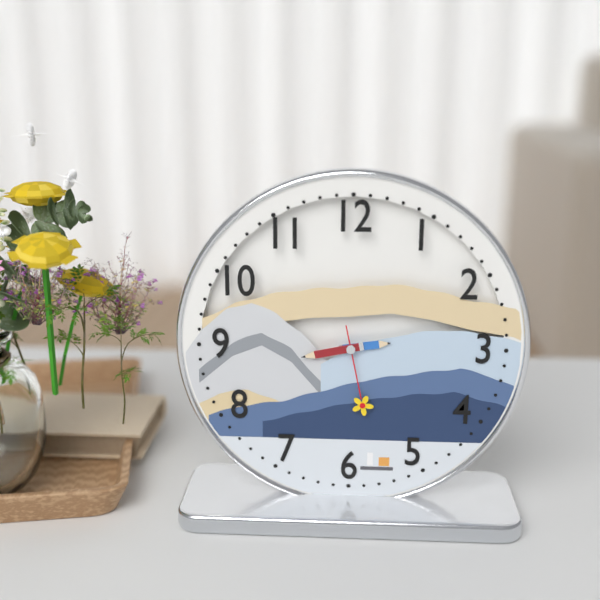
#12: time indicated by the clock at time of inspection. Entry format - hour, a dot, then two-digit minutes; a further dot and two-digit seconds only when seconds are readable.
2.43.28
